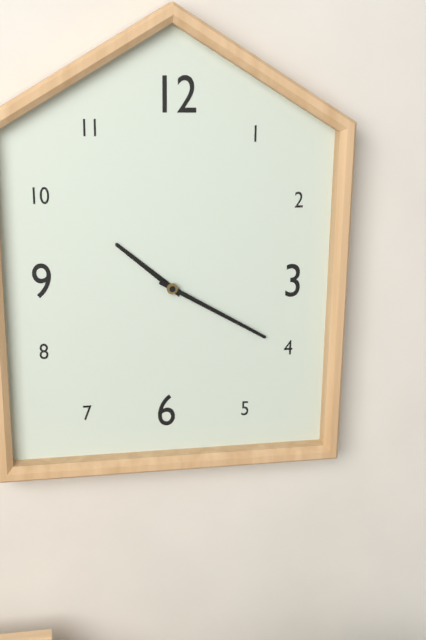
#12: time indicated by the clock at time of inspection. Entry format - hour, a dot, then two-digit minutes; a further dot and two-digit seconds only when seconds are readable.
10.20
